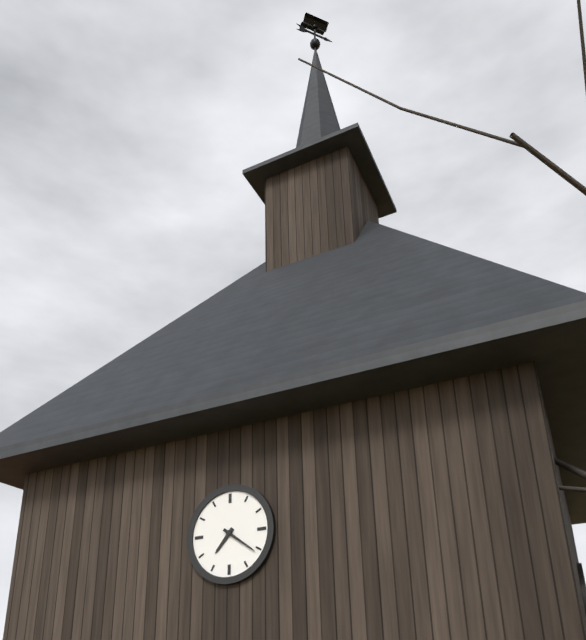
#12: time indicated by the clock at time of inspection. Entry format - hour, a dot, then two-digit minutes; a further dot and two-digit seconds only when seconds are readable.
7.21
